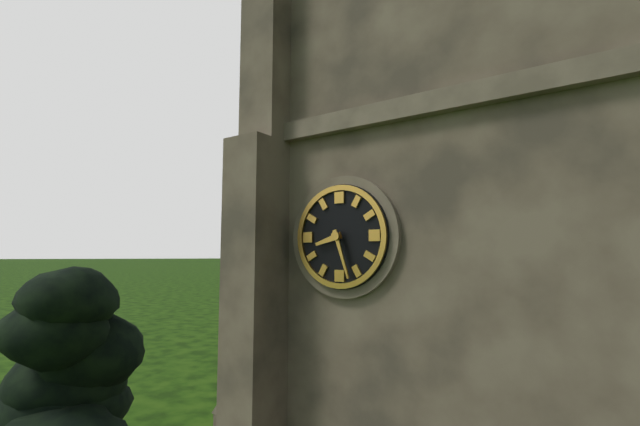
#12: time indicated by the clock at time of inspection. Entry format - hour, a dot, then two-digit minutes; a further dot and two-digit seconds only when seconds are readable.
8.27
